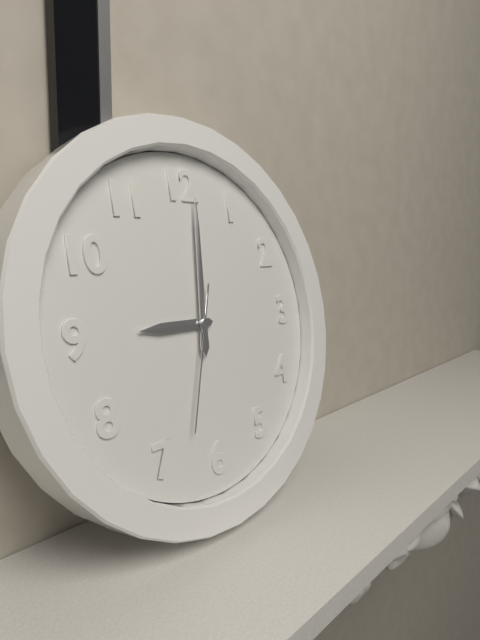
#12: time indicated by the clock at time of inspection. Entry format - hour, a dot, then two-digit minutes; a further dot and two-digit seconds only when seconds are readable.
9.01.33
